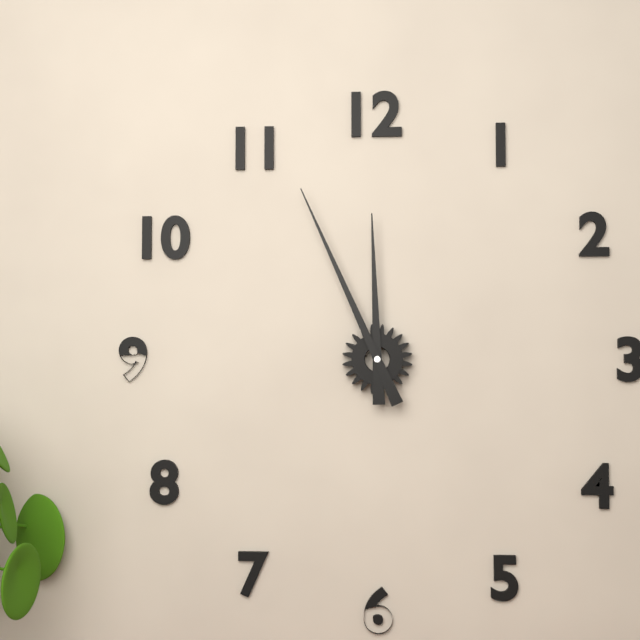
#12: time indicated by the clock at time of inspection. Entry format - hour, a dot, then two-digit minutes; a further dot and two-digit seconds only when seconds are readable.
11.56
